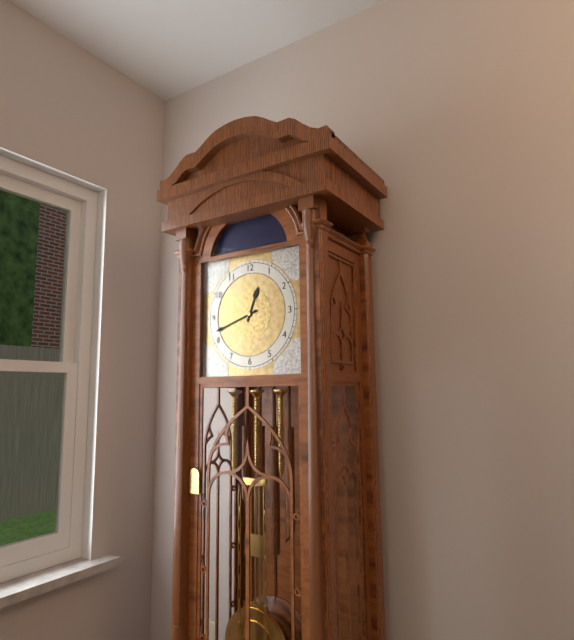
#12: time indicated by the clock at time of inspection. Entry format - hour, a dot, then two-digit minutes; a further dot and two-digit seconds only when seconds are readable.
12.42
